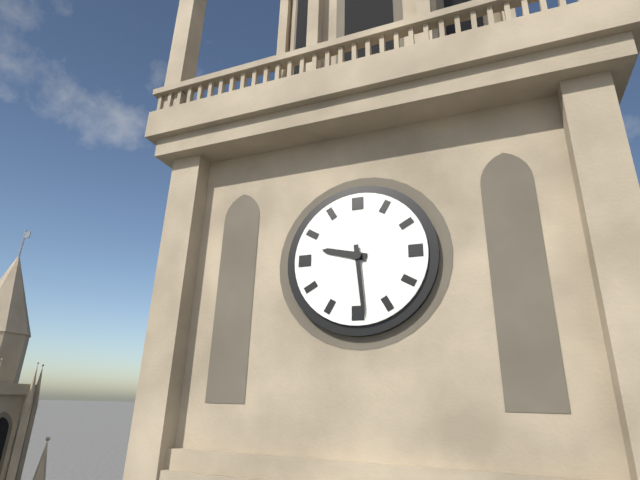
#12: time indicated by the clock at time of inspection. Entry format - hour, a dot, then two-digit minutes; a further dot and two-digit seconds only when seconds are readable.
9.29
